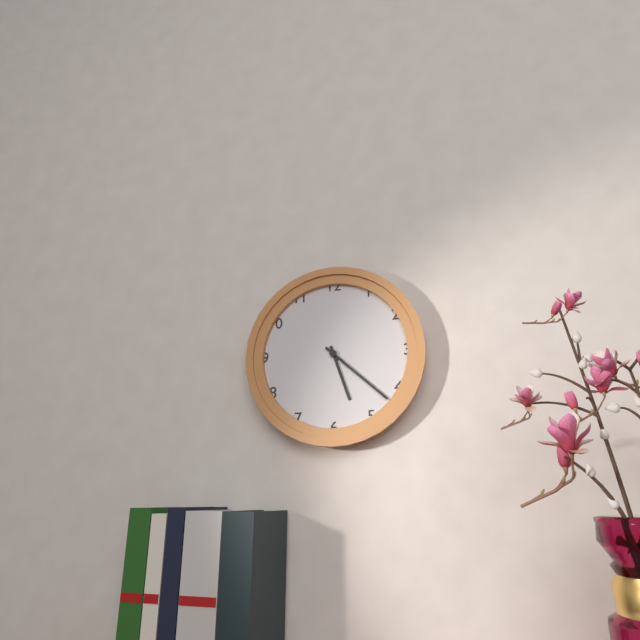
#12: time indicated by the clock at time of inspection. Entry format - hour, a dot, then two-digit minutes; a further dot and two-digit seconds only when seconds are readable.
5.22
